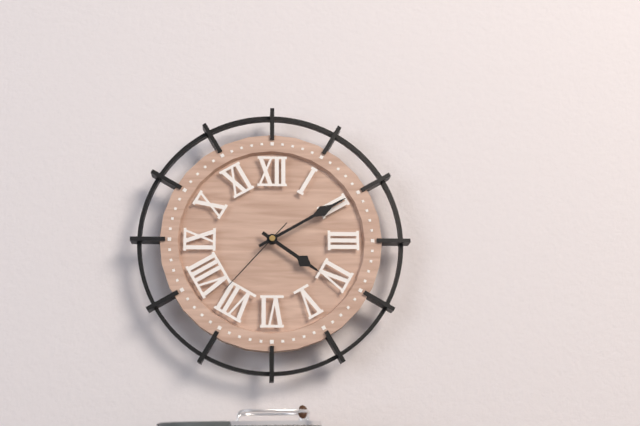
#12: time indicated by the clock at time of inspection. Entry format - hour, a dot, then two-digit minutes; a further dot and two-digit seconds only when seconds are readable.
4.10.37
